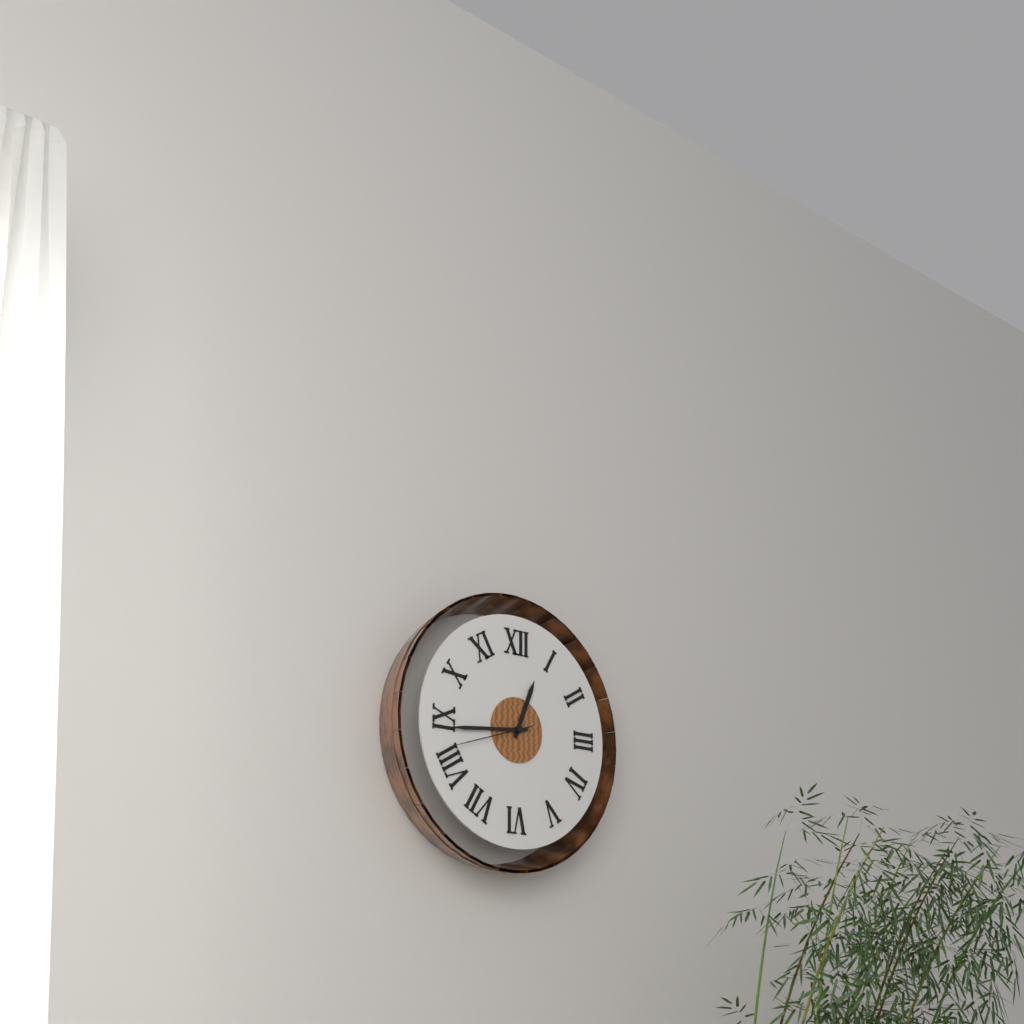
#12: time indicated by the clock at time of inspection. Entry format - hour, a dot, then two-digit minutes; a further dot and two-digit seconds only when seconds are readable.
12.44.42
